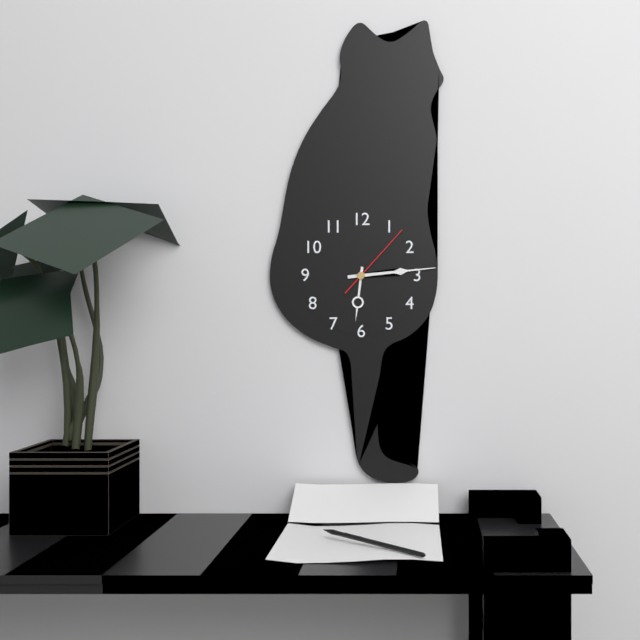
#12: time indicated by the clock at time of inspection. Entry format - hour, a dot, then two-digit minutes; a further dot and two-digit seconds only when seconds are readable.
6.14.07
